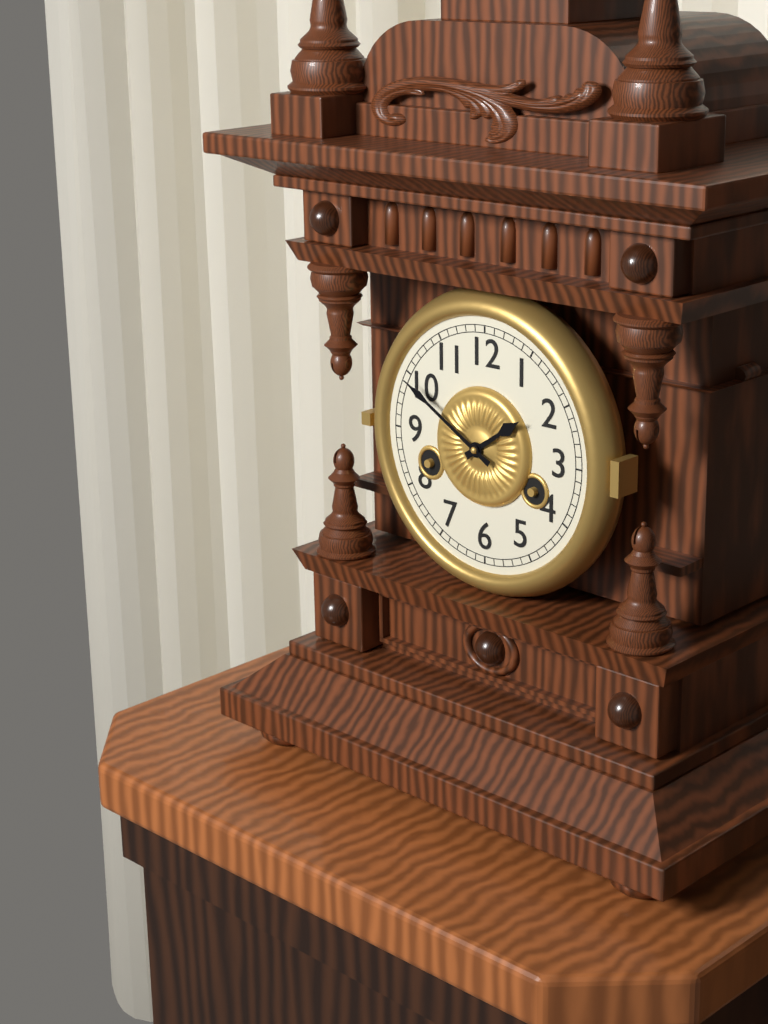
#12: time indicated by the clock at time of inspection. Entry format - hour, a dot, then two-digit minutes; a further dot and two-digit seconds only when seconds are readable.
1.50
